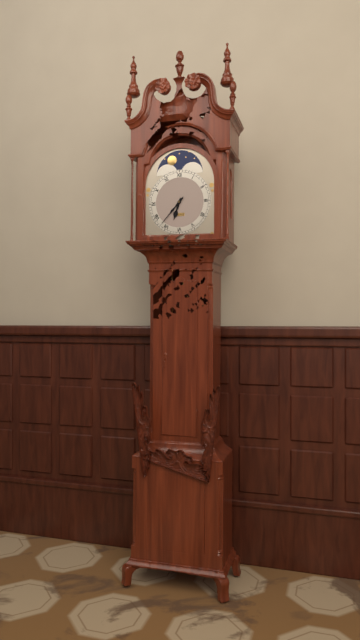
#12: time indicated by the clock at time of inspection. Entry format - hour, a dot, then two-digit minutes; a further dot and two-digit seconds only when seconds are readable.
6.37
